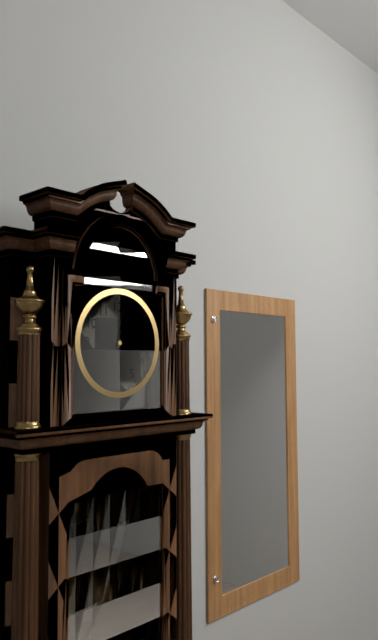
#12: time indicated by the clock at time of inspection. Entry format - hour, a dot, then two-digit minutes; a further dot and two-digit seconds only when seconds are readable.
8.03
